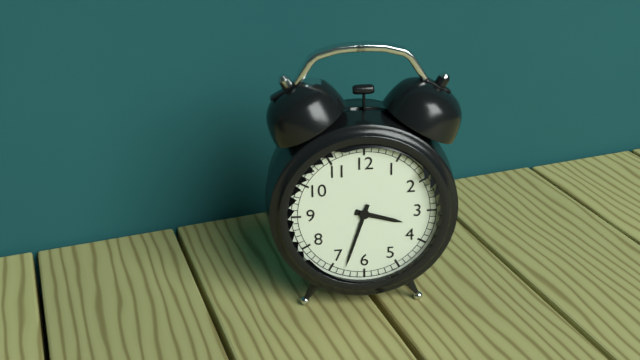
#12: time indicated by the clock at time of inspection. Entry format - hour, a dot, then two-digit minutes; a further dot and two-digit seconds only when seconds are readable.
3.33
